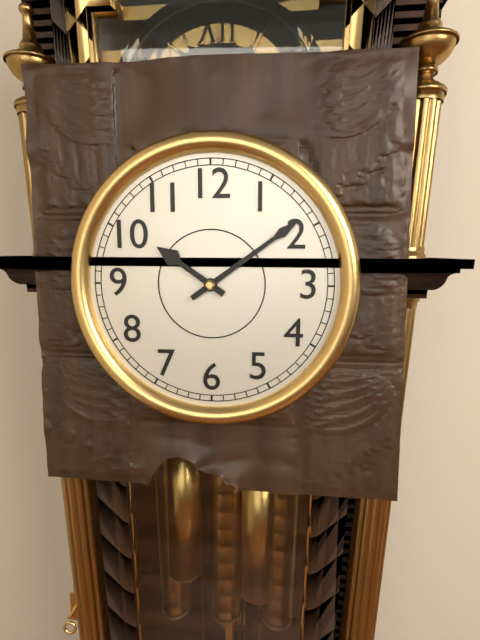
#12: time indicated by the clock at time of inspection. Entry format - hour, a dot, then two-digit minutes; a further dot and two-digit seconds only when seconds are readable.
10.09
